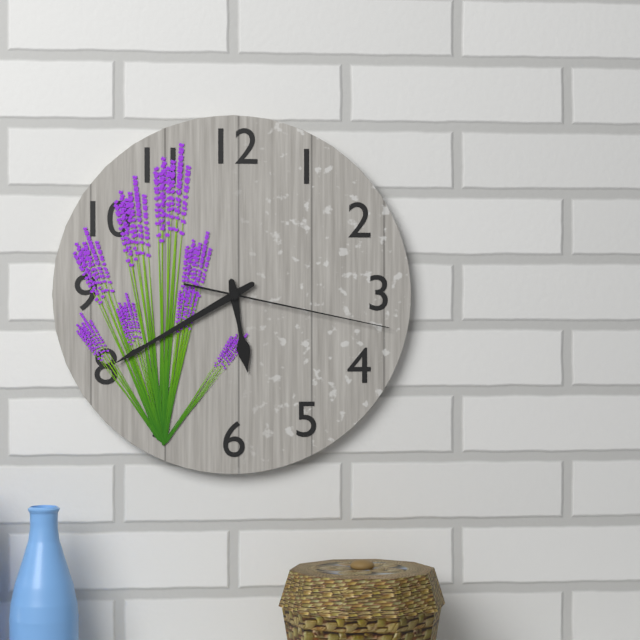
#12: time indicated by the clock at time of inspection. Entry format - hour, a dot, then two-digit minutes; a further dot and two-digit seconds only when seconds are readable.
5.40.17
